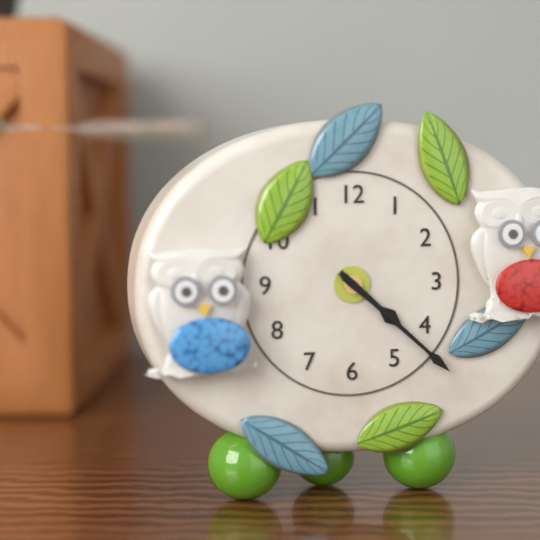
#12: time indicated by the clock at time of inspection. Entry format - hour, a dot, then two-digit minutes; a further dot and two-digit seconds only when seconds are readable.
4.22
